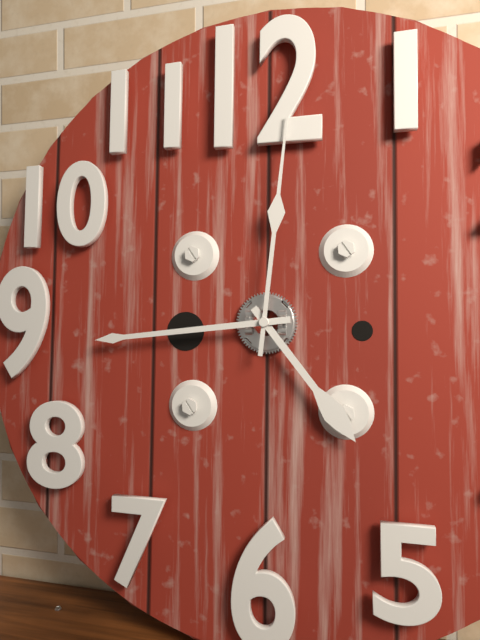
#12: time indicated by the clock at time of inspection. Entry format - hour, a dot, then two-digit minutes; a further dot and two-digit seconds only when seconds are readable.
4.44.01
